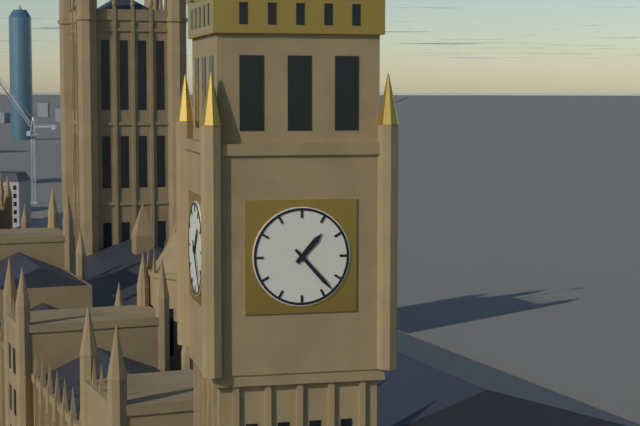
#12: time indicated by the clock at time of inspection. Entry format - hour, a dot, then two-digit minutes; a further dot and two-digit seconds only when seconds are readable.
1.23
